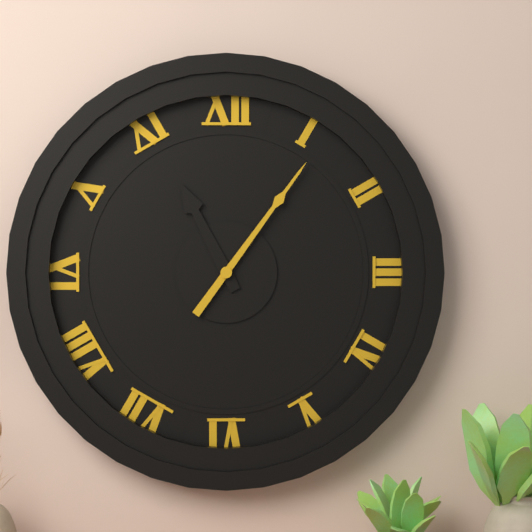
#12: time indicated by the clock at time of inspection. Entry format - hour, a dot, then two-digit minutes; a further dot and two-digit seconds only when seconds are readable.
11.06
